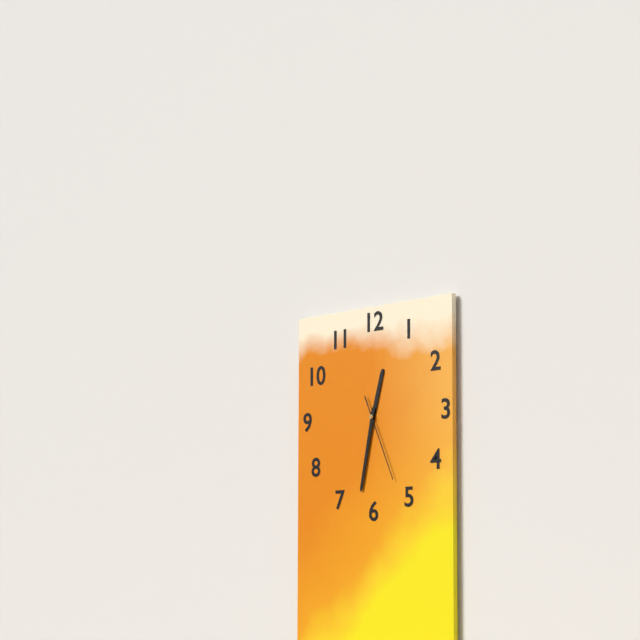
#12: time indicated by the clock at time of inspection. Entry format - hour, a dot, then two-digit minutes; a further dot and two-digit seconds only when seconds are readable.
12.32.26
